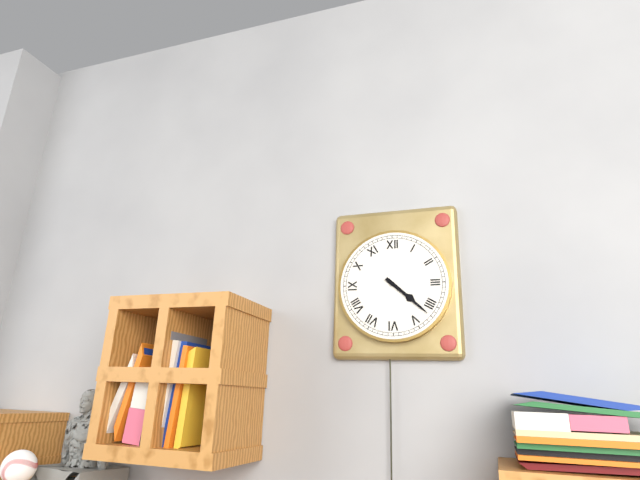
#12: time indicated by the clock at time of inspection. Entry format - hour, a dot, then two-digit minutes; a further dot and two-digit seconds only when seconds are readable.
4.22
